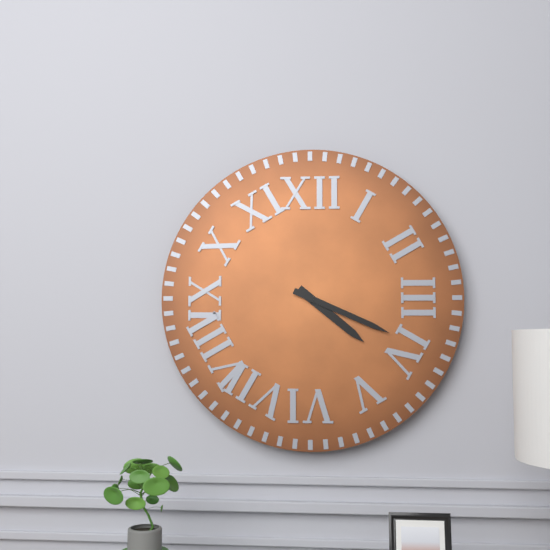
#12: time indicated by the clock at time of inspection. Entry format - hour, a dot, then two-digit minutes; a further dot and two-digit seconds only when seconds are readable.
4.19
